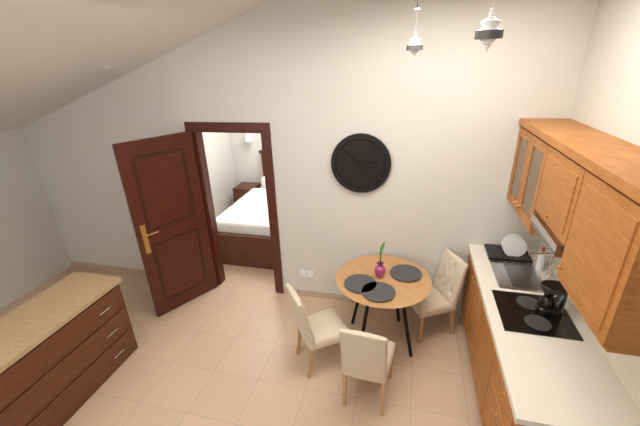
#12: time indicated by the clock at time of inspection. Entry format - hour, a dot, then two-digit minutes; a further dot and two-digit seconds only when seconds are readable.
2.51
